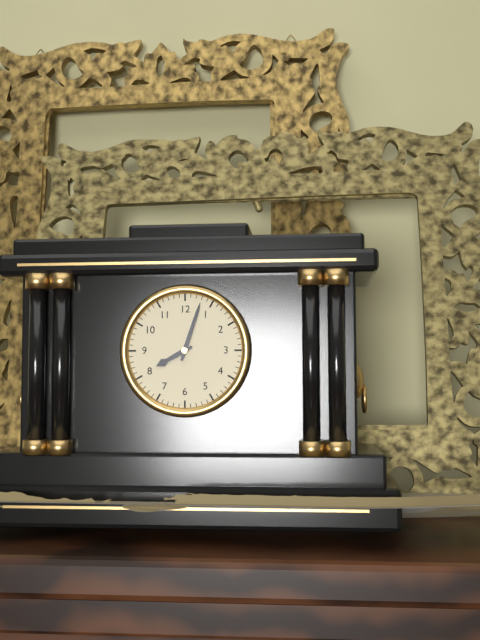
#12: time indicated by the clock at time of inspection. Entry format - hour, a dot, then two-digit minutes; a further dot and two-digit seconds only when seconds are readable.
8.03
